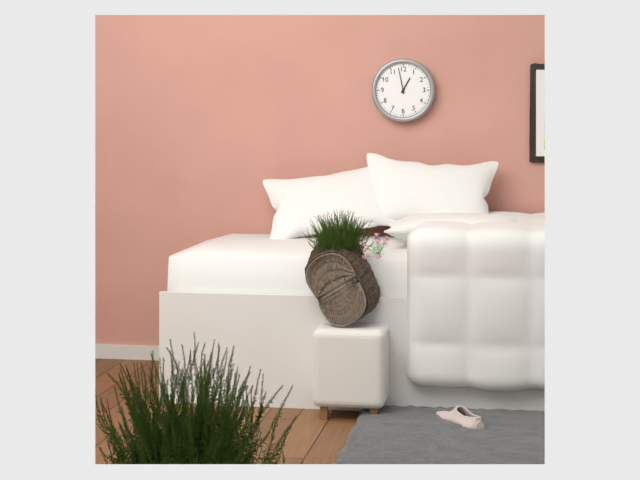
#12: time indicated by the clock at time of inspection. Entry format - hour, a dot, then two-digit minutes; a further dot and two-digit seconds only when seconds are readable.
12.58
